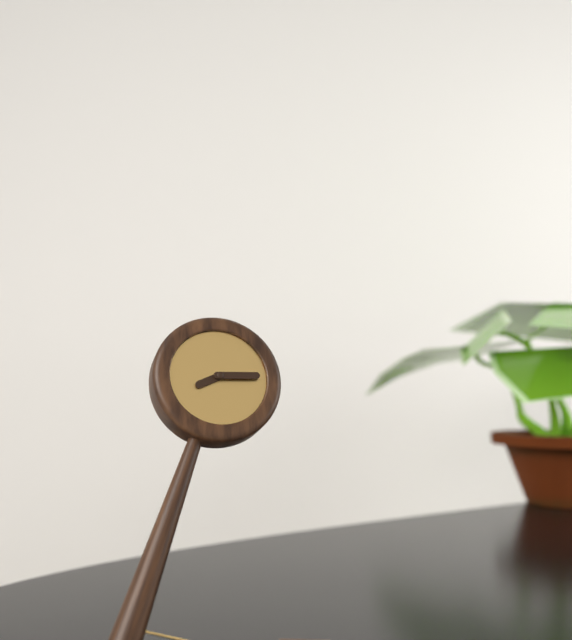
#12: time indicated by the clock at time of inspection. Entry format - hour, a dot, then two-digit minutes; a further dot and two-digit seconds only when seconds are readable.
8.15
